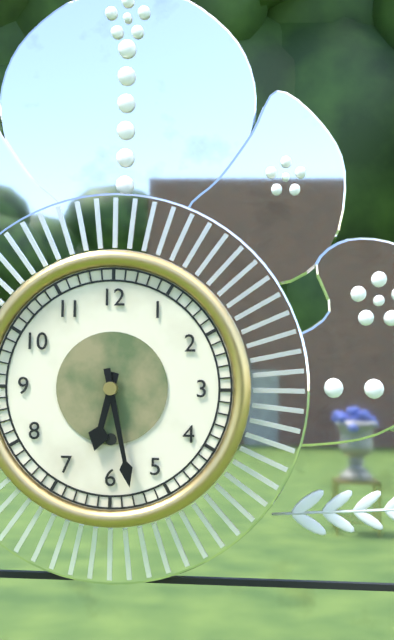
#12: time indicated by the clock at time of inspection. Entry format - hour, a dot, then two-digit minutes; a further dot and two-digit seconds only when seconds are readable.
6.28
